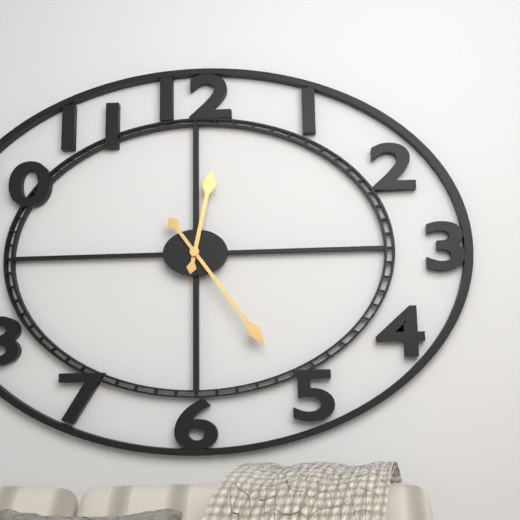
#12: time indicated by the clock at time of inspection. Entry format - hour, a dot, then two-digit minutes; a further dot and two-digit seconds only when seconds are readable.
12.24
